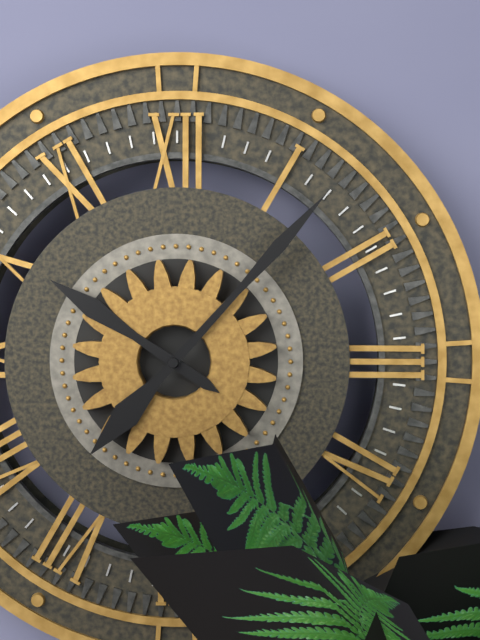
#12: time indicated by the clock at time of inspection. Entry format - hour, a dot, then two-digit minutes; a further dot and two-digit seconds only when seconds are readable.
10.07
